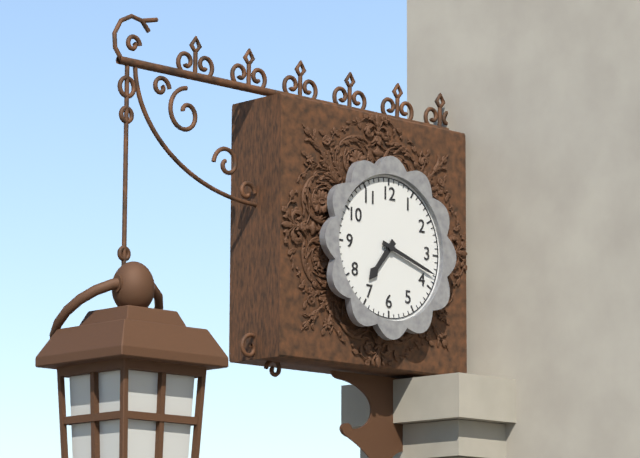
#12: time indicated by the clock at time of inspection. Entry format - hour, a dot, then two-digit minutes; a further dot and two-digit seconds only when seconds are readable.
7.18
